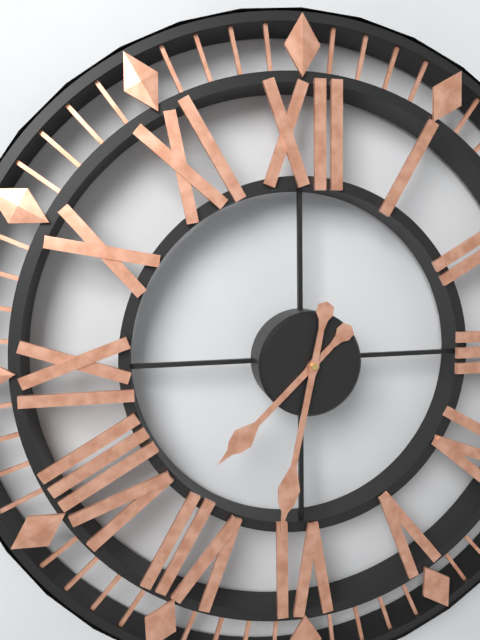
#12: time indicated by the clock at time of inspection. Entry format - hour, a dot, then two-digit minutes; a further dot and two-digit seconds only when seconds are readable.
7.32
